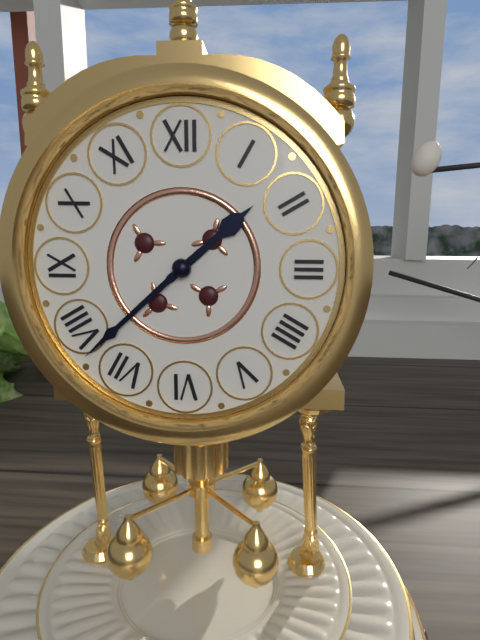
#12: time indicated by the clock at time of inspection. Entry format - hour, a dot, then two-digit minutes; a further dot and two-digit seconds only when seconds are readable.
1.38
